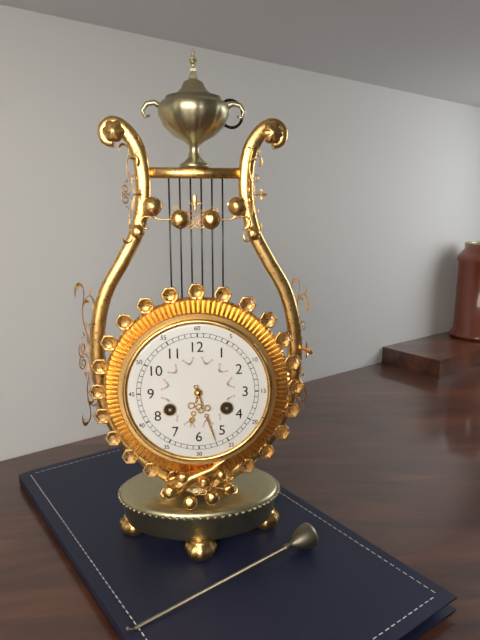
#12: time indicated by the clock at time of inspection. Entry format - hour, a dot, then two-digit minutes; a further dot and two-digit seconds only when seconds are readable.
6.27
